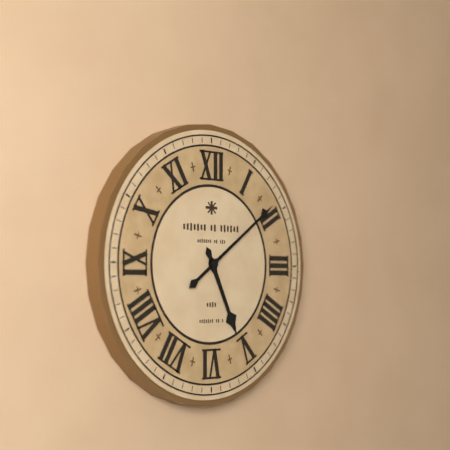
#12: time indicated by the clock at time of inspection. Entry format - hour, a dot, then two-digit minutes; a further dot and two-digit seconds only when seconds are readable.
5.09
